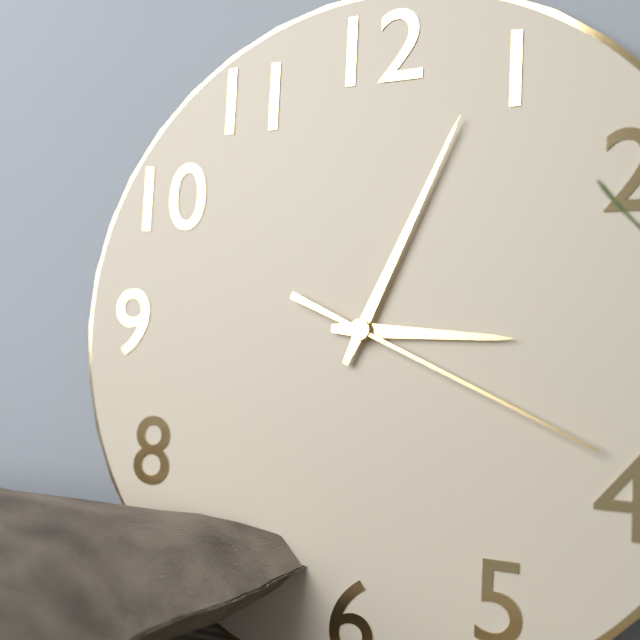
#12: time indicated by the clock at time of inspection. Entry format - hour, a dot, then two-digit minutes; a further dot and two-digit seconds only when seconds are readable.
3.04.19
